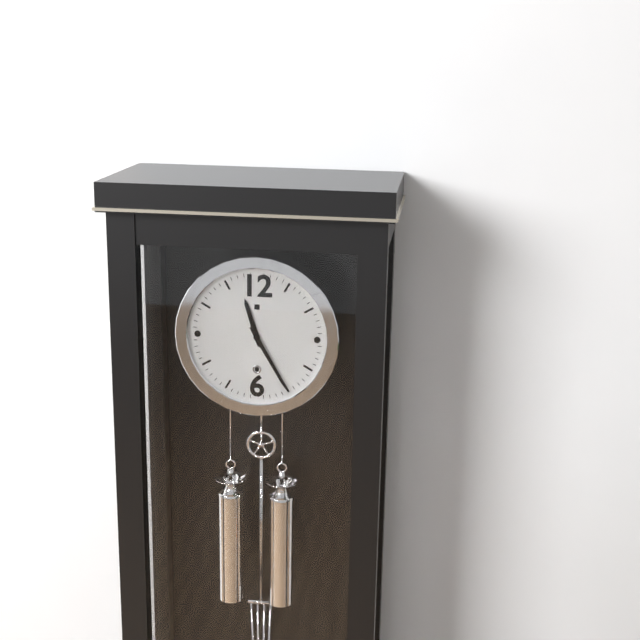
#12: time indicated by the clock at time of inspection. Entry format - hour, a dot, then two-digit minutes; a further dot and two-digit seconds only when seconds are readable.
11.25
